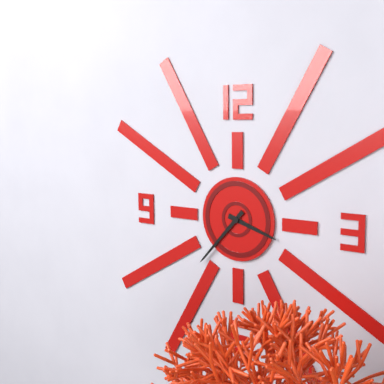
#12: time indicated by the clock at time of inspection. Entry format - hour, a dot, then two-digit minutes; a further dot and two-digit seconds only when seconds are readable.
3.37
